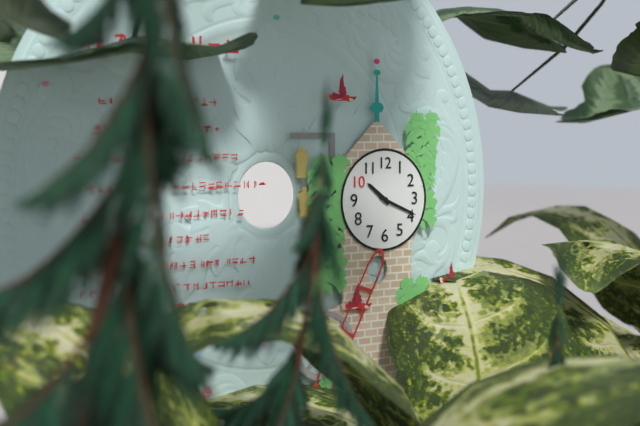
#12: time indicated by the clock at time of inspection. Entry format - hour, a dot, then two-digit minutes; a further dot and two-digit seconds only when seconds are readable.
10.19
